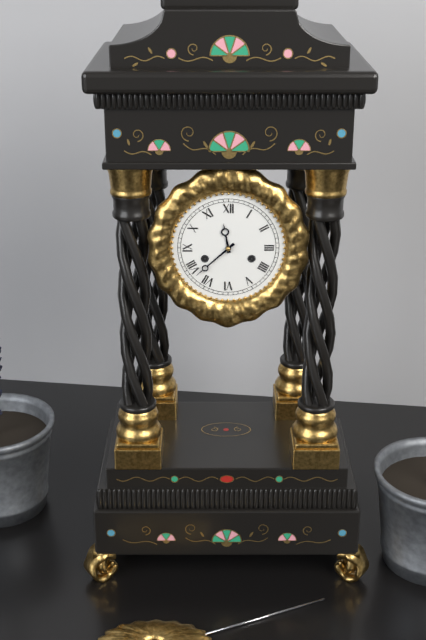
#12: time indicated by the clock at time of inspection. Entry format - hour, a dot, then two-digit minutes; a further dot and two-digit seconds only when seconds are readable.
11.38
